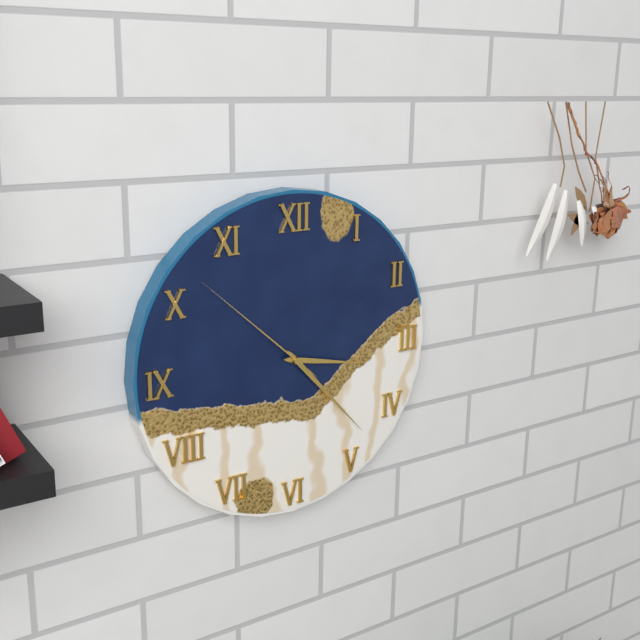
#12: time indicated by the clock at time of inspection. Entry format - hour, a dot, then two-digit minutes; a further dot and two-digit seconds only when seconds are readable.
3.23.52
